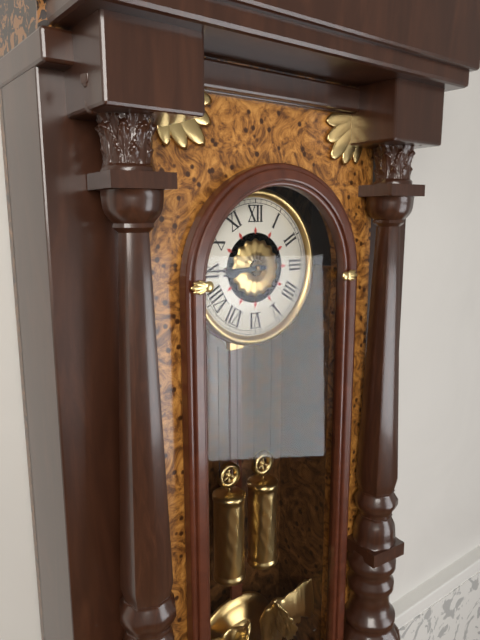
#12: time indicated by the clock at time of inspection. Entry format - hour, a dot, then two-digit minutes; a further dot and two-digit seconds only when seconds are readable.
8.45
